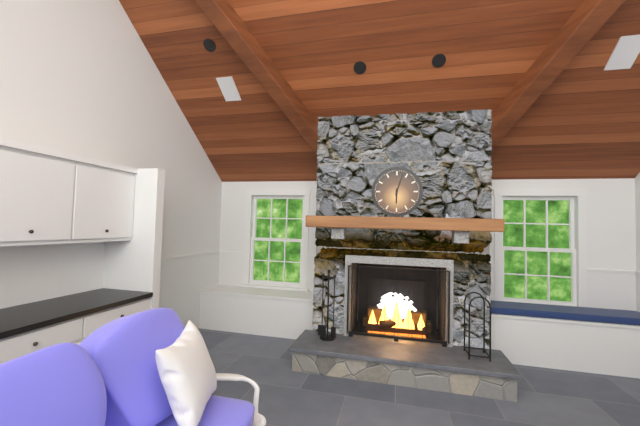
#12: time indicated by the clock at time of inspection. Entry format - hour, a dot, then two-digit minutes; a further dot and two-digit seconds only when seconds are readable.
6.03
